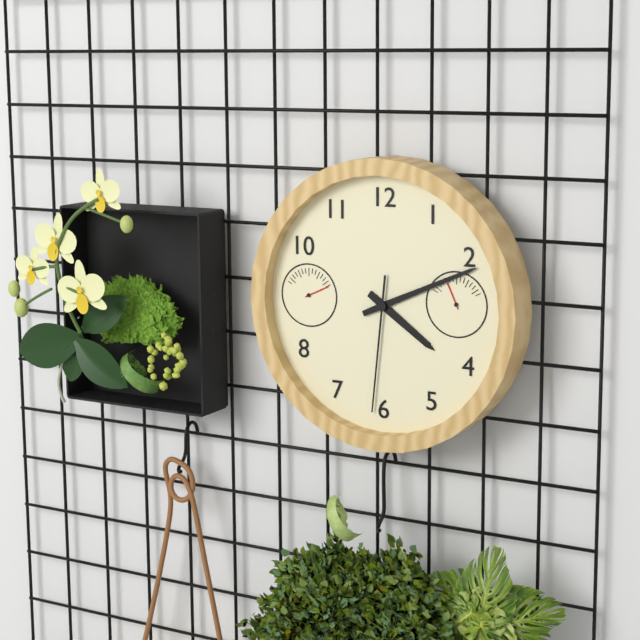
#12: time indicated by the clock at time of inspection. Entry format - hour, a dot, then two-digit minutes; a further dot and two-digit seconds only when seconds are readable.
4.11.31
